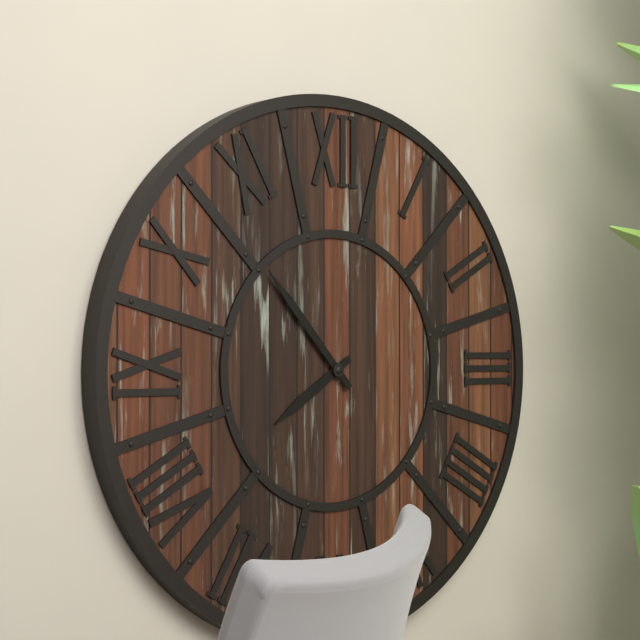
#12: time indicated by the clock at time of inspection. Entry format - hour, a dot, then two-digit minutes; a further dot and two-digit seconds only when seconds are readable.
7.53
